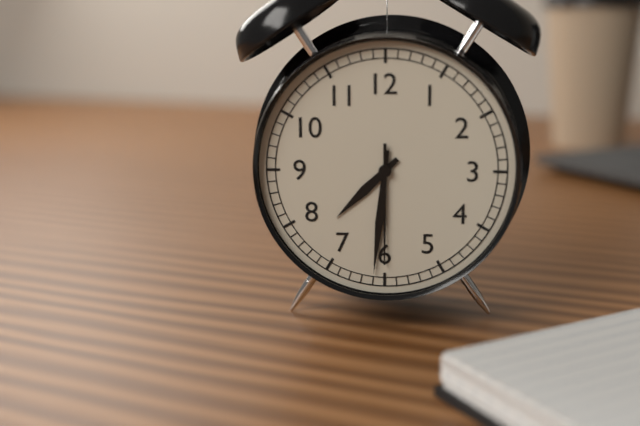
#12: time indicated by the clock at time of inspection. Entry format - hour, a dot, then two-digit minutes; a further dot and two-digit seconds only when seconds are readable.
7.31.30
